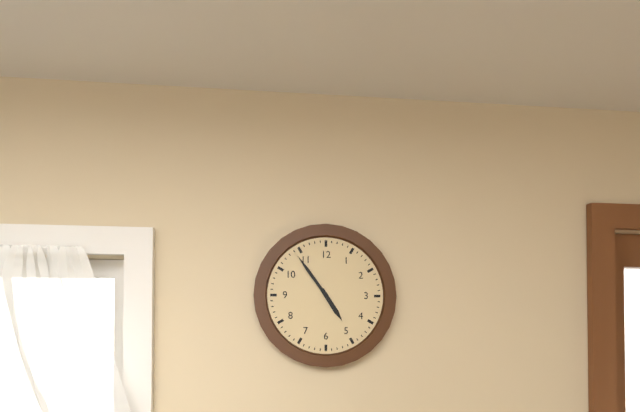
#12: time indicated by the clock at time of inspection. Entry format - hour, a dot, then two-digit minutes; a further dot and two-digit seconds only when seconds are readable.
4.54
